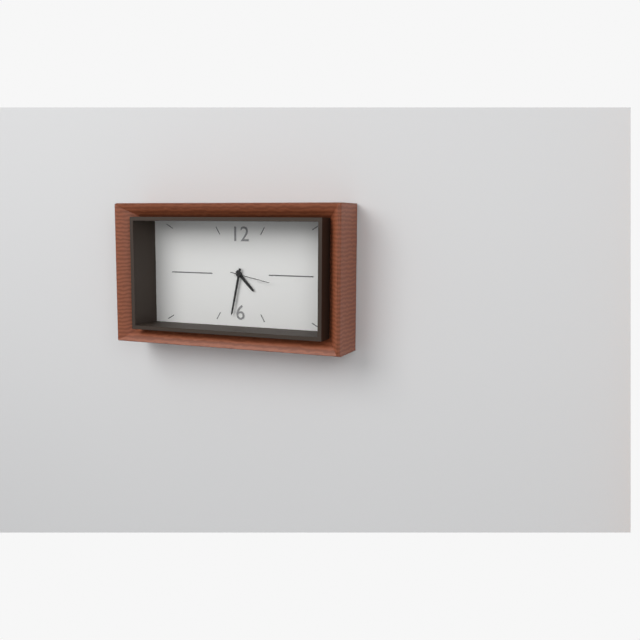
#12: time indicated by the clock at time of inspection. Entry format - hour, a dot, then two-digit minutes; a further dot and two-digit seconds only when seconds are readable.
4.32
